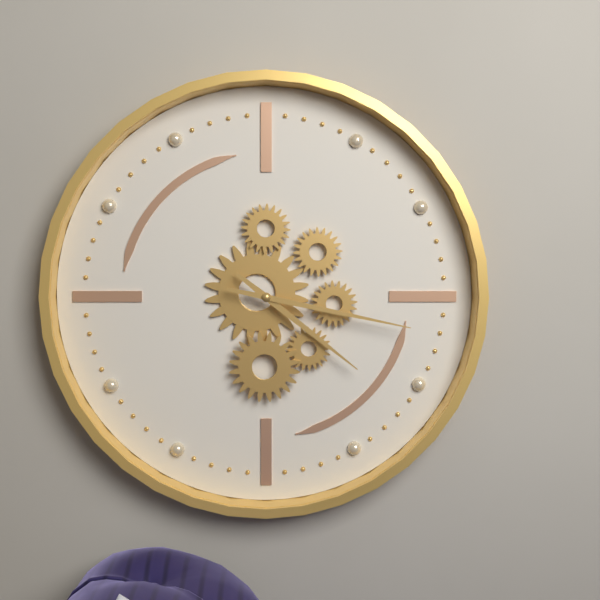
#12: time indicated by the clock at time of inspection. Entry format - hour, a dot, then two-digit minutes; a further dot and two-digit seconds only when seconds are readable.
4.17
